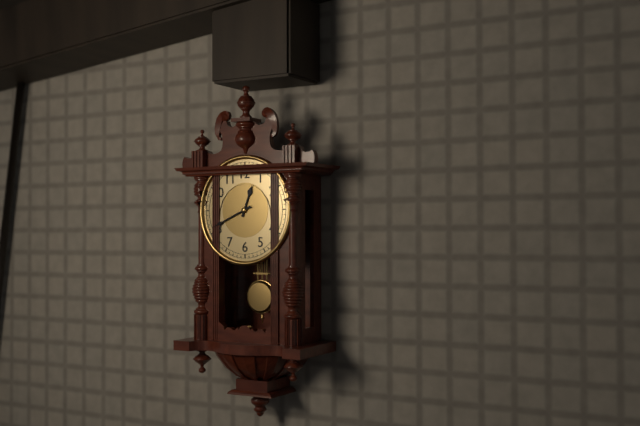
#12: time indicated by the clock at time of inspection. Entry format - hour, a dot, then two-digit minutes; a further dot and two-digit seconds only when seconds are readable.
12.41
